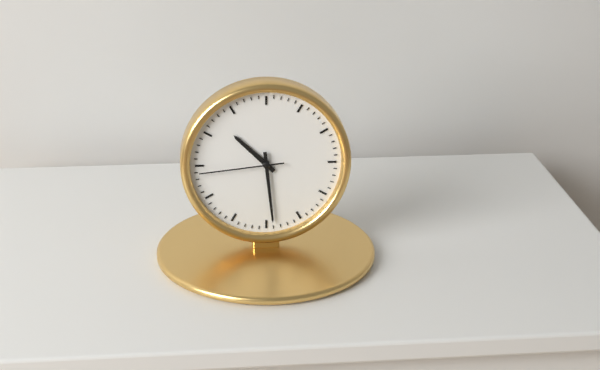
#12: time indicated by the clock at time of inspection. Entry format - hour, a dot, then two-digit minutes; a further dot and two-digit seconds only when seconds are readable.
10.29.44
